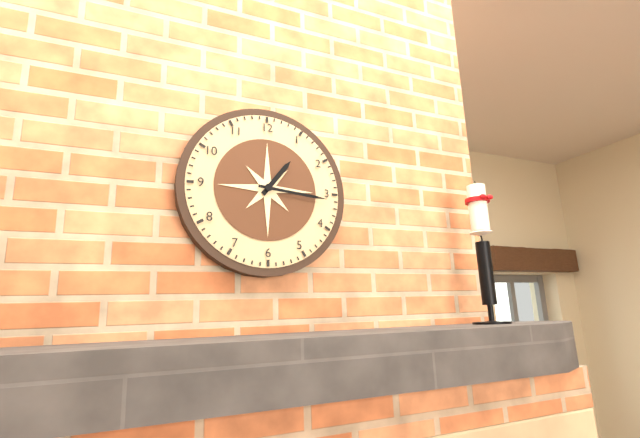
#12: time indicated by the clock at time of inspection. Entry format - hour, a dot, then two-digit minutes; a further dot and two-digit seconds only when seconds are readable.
1.16
